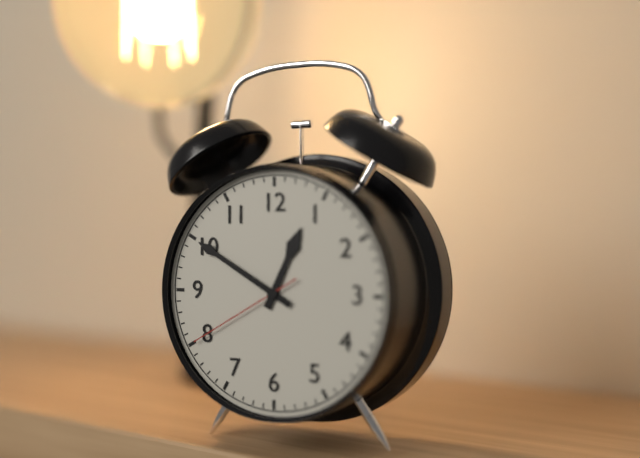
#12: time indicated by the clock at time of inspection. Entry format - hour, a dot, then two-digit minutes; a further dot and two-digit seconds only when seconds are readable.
12.50.40
